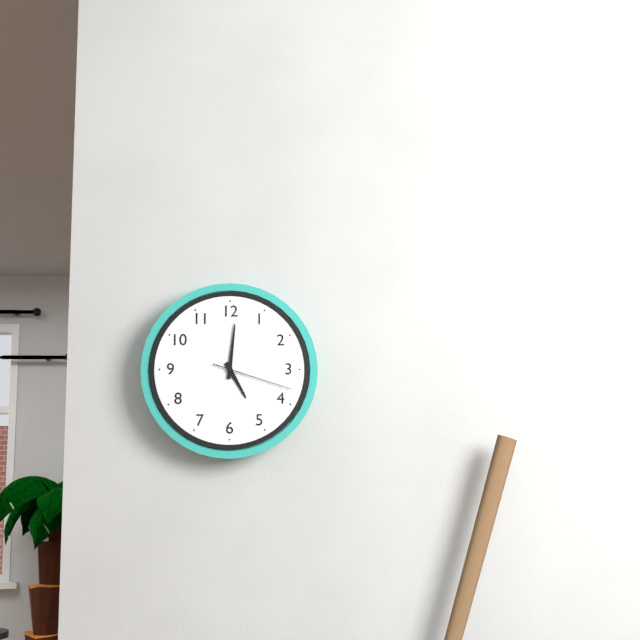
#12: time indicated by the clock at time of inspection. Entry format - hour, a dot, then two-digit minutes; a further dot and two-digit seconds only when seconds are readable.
5.01.18
